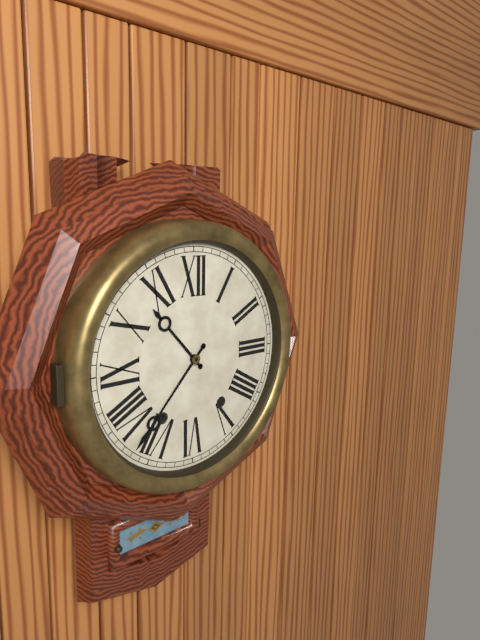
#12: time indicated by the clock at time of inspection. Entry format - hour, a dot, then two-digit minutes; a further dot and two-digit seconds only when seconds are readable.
10.37
